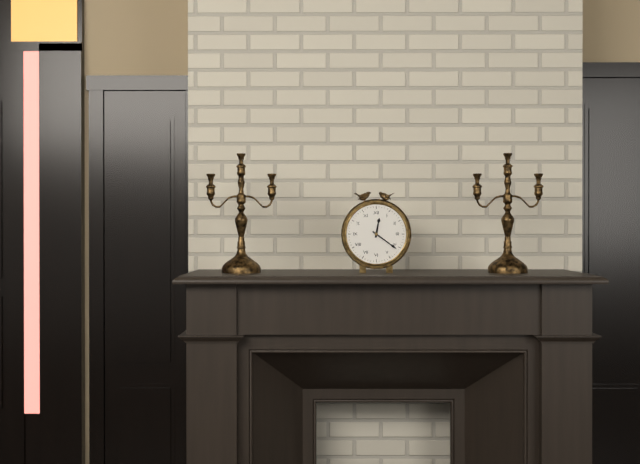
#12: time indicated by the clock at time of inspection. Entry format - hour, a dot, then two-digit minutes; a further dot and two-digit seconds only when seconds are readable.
12.21
